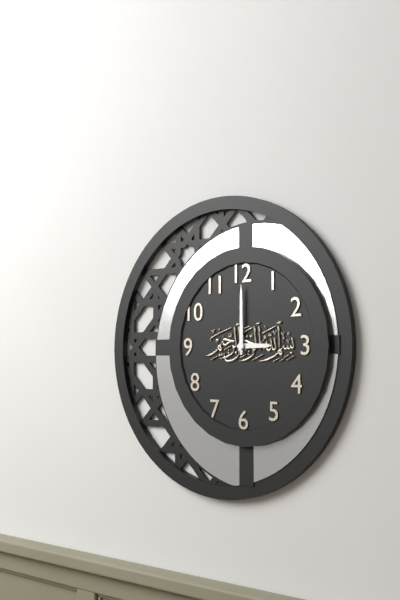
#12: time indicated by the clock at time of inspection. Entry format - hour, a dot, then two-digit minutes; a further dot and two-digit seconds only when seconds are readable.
3.00
